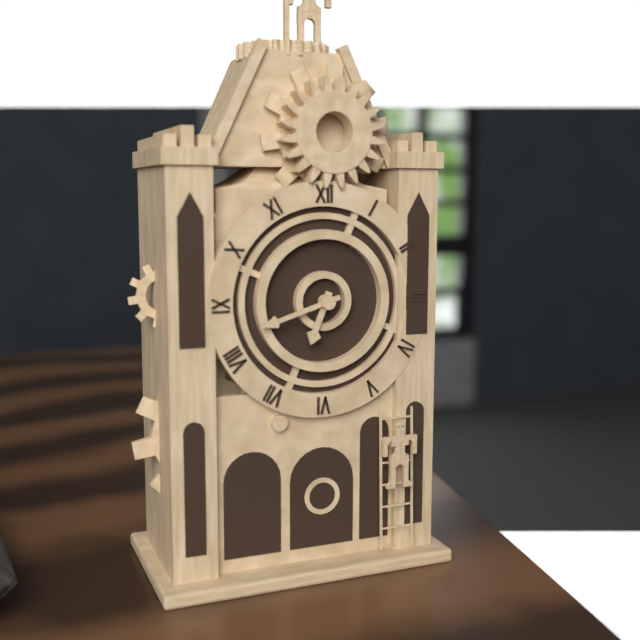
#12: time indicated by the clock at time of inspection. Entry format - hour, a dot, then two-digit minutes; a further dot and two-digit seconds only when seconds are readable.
6.42
